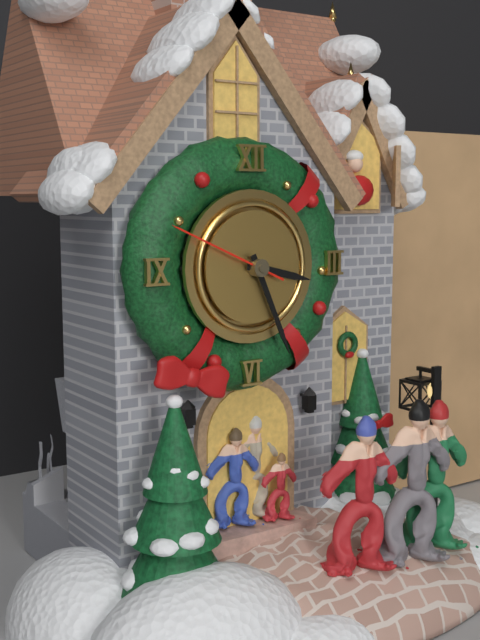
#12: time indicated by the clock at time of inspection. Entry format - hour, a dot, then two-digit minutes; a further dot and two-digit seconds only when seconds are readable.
3.26.49
